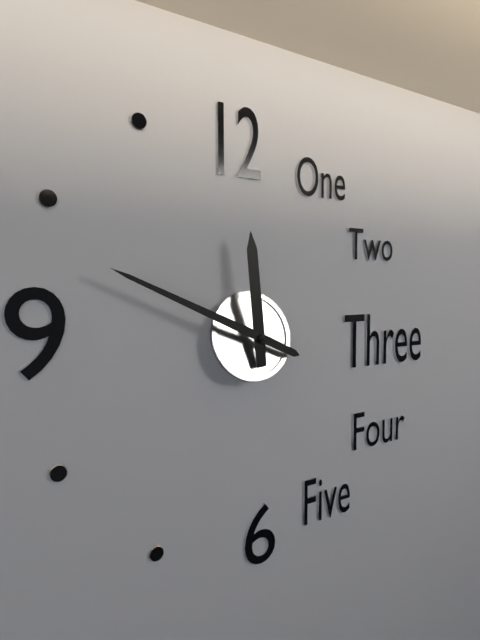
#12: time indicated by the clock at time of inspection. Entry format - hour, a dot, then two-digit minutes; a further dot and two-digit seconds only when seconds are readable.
11.49
